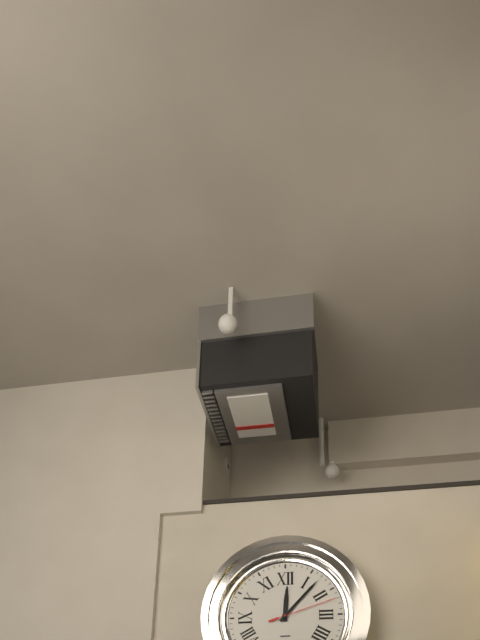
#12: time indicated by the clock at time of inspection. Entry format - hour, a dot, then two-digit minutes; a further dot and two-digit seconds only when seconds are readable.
12.07.12
